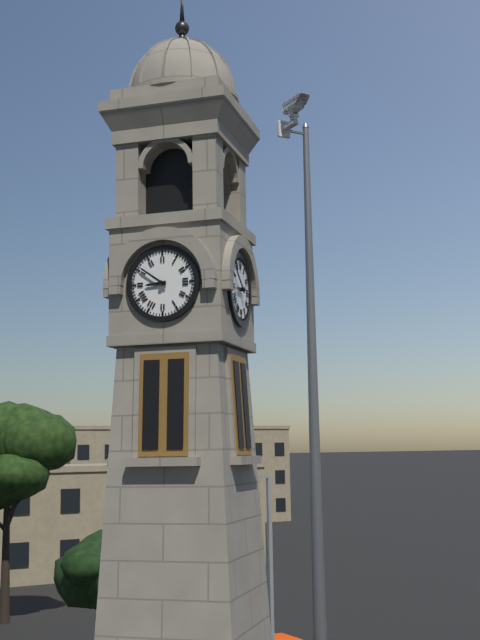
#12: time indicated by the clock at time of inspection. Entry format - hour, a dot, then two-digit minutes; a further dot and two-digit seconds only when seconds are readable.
8.51
